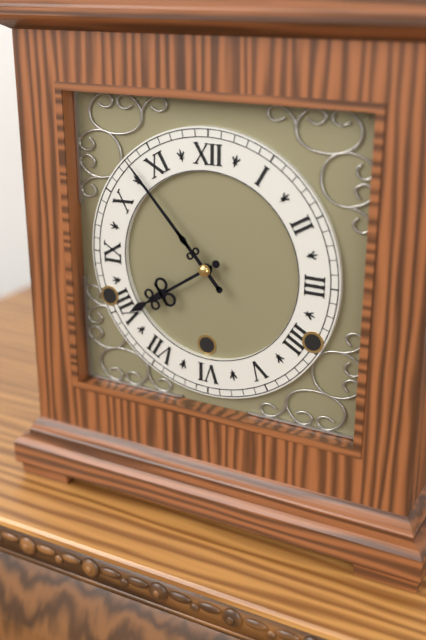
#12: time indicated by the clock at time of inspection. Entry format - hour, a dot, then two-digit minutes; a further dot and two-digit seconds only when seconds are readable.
7.53
